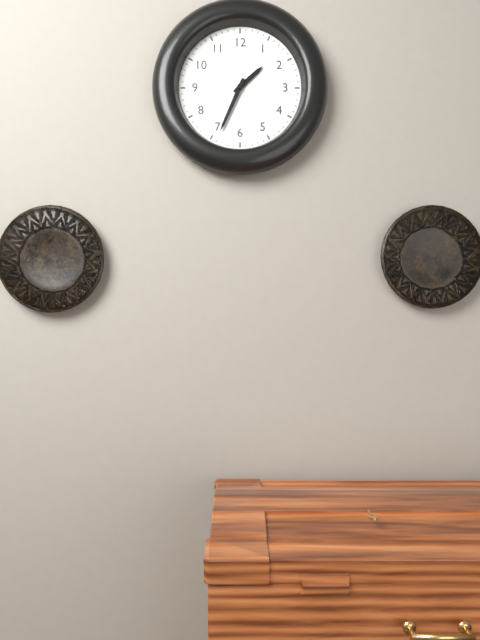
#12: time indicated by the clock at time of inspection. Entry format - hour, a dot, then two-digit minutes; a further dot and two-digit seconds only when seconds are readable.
1.34
